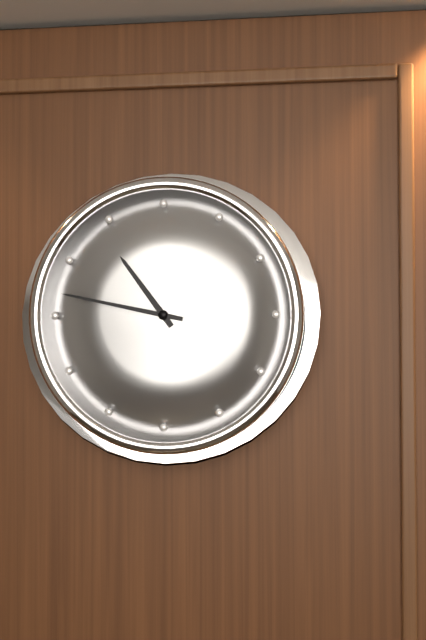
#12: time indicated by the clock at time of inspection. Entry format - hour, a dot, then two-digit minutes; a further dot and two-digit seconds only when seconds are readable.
10.47
